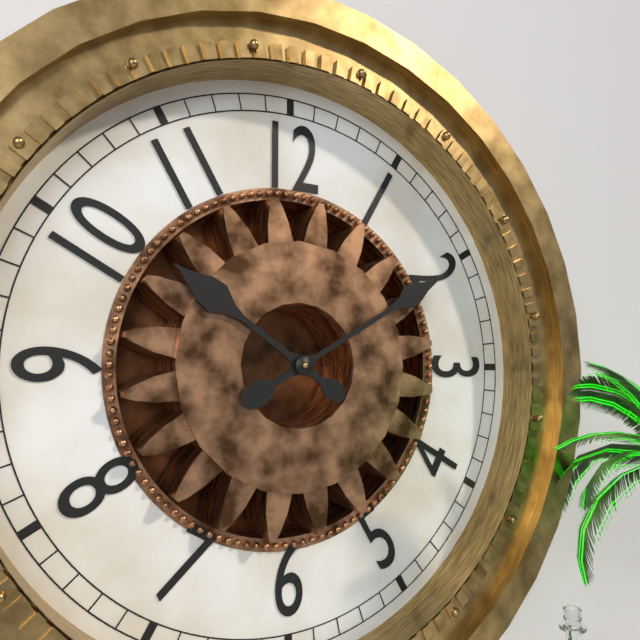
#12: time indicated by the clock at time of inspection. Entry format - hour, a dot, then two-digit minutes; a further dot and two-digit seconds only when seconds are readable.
10.10
